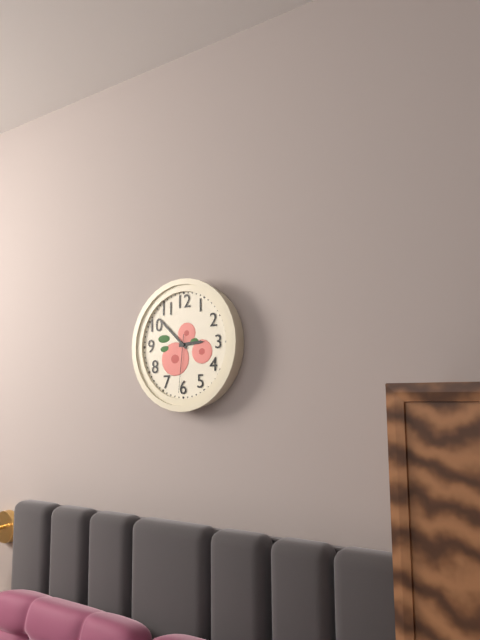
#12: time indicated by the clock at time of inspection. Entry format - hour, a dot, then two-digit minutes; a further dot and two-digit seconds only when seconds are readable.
2.52.31
